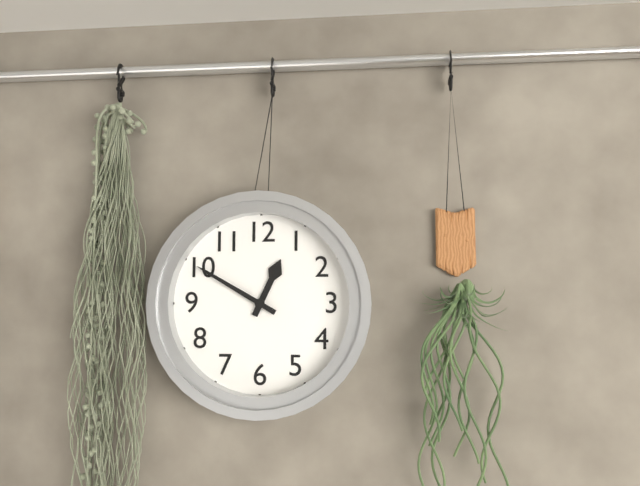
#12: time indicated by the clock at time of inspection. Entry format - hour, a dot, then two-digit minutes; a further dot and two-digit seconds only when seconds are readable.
12.50
